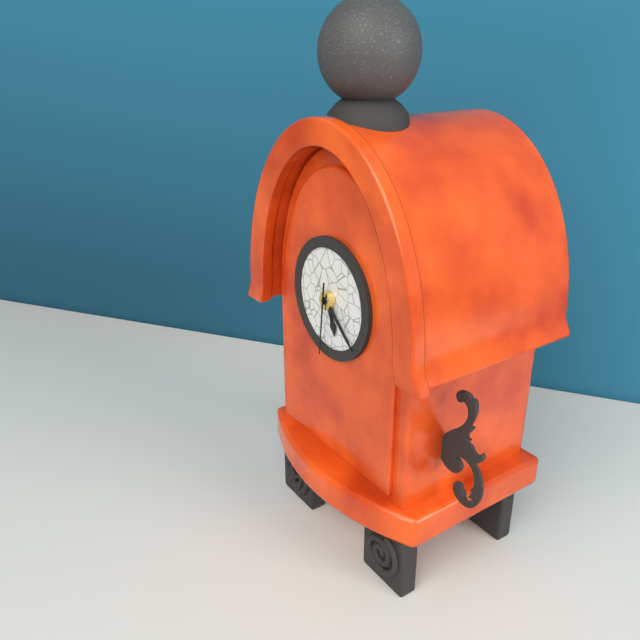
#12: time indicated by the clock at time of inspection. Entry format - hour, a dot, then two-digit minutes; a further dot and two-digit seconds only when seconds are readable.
5.22.31
